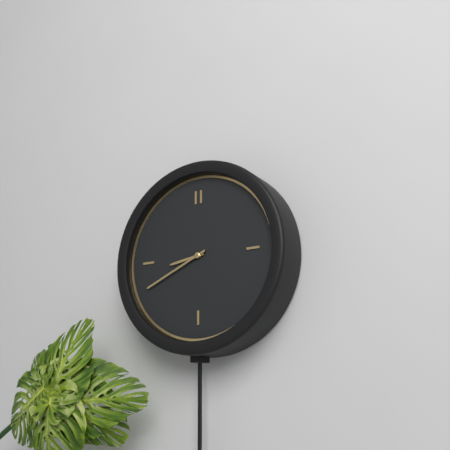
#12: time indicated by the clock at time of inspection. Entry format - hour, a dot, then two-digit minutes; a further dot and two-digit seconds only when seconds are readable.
8.41
